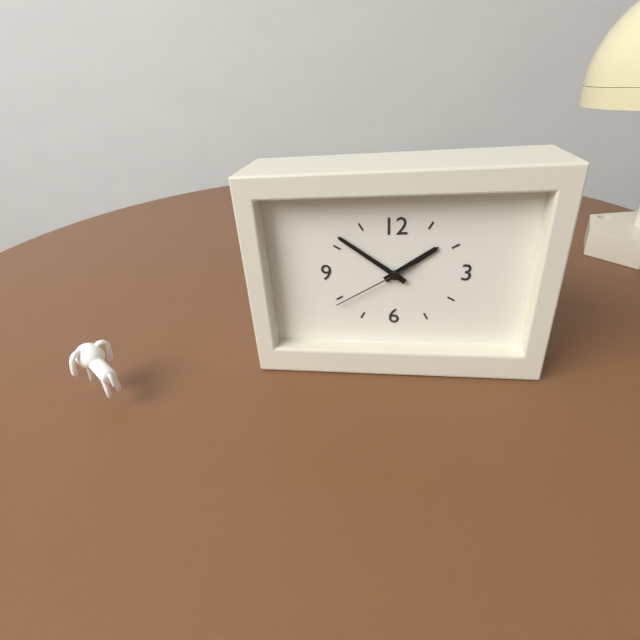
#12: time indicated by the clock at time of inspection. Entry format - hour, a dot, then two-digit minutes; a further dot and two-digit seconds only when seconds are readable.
1.51.40
